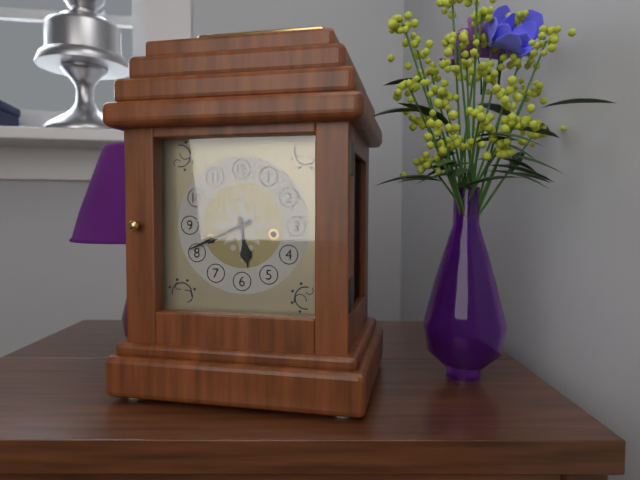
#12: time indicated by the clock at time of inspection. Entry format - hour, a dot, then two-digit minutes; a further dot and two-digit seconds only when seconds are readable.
5.41
